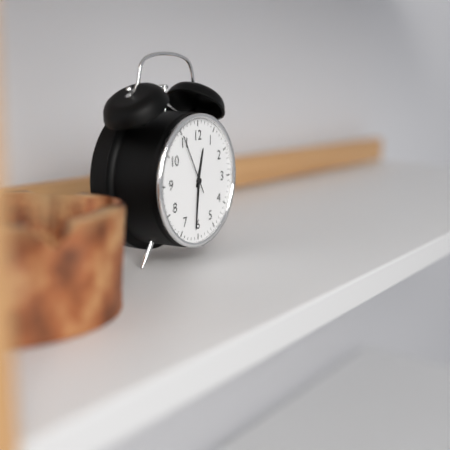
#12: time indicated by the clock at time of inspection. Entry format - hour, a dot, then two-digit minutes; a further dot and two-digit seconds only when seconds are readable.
12.31.55
